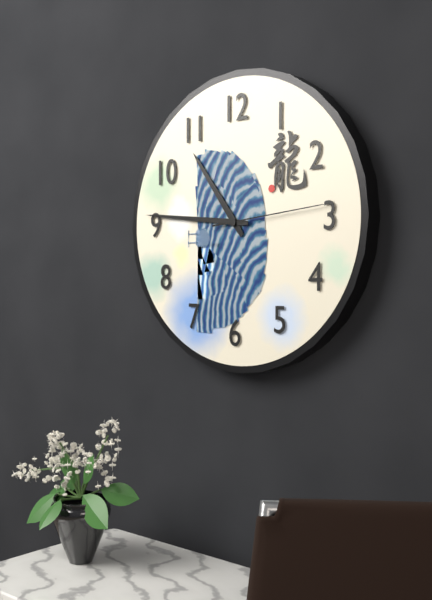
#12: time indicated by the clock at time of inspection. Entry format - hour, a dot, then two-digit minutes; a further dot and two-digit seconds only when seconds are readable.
10.46.14
